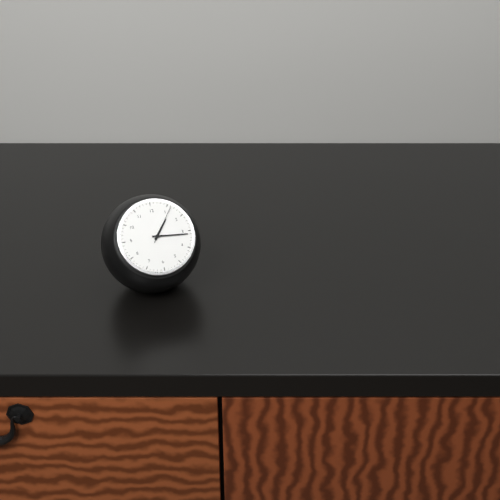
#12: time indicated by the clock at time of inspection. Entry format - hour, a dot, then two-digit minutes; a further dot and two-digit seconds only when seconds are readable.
1.16
